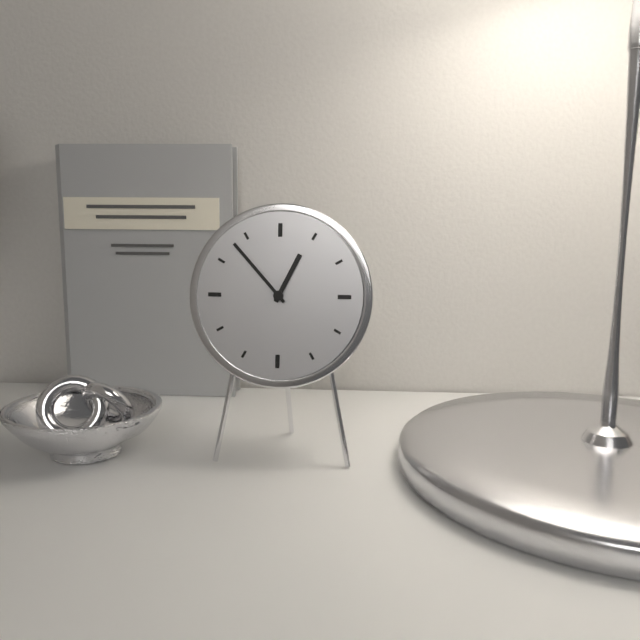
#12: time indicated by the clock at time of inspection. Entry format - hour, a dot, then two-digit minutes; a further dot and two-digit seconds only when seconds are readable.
12.53
